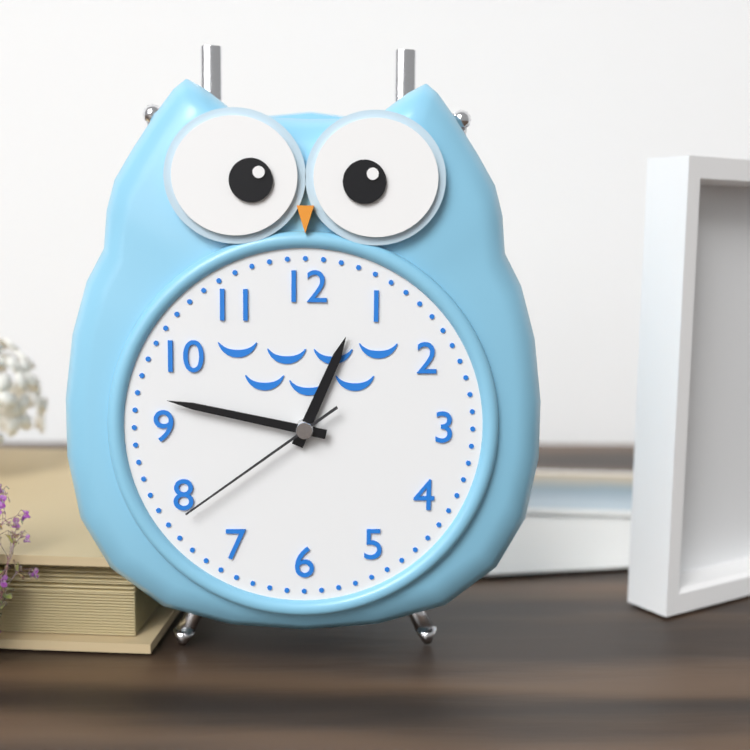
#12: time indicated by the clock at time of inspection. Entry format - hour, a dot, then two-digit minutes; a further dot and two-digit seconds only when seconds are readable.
12.47.39
